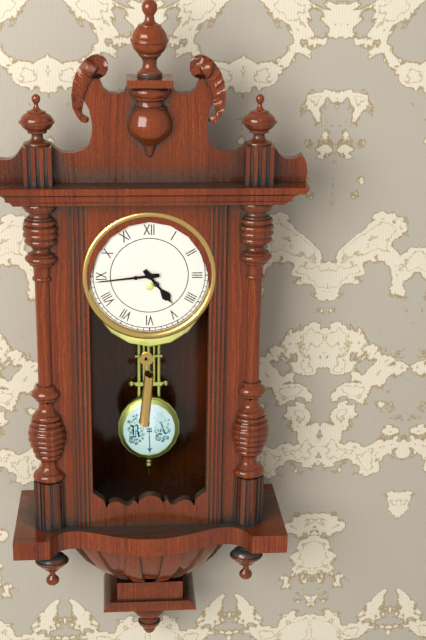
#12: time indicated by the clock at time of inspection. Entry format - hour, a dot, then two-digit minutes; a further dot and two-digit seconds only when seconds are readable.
4.44
